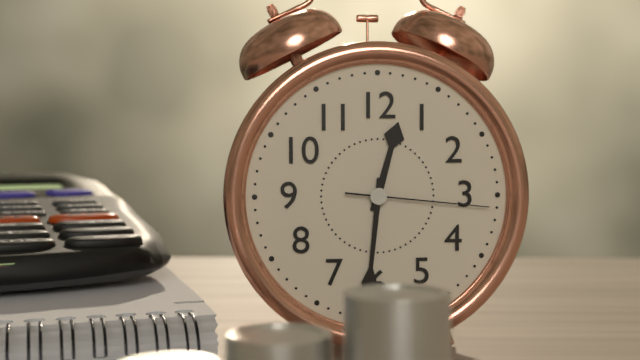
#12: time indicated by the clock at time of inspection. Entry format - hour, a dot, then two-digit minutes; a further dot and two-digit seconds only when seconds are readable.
12.31.16
